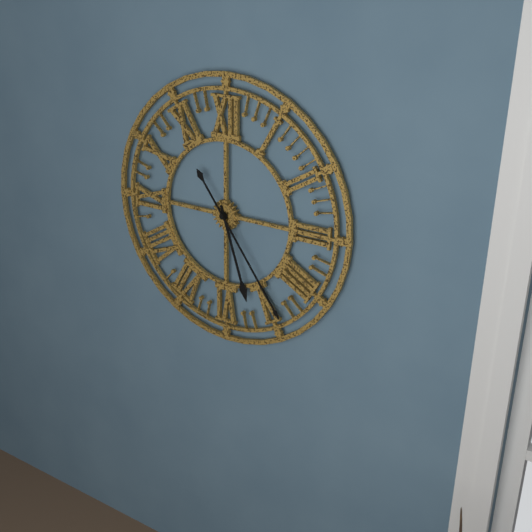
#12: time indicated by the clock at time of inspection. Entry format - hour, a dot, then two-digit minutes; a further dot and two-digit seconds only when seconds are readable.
5.24
